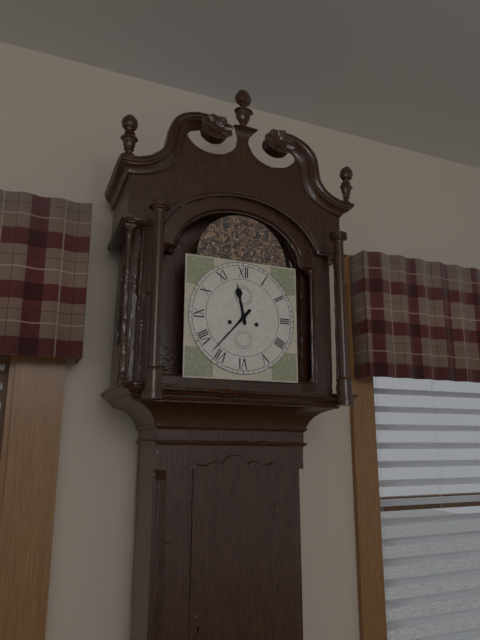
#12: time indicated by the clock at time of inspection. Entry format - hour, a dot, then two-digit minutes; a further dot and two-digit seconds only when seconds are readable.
11.37
